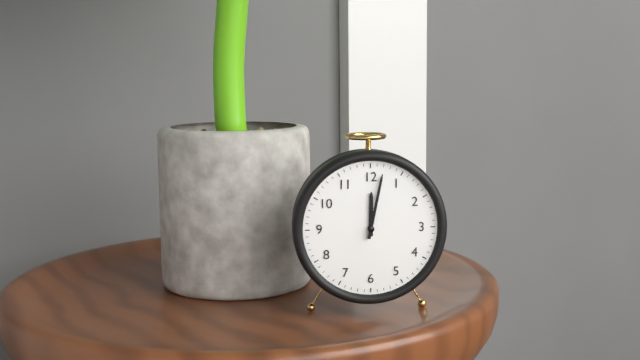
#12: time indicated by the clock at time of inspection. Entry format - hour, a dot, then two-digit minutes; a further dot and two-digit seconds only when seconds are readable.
12.02
